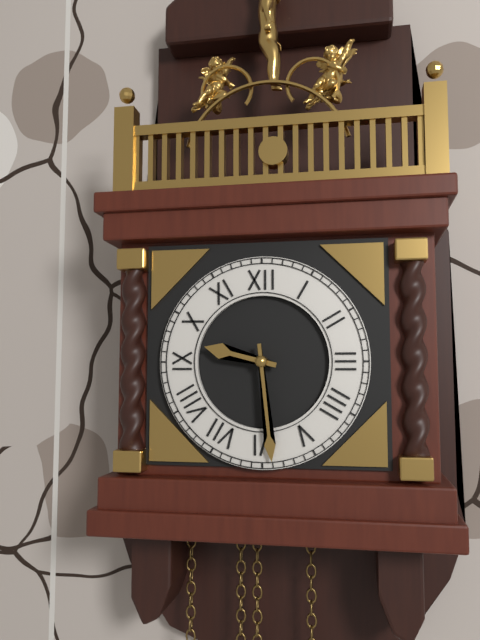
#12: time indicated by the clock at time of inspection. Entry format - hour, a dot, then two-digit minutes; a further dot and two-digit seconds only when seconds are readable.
9.29
